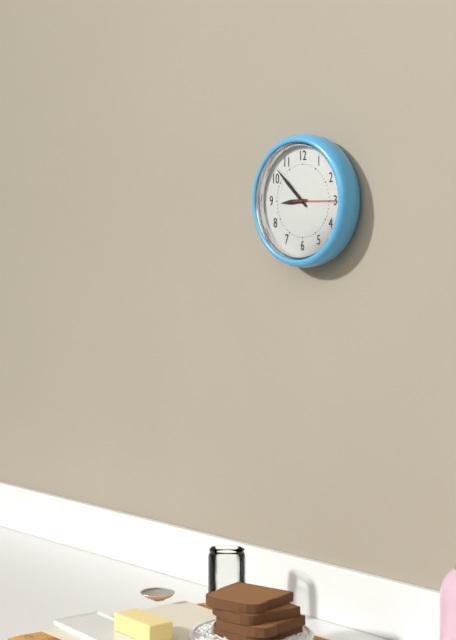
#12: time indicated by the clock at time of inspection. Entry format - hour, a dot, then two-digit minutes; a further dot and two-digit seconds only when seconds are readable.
8.52
